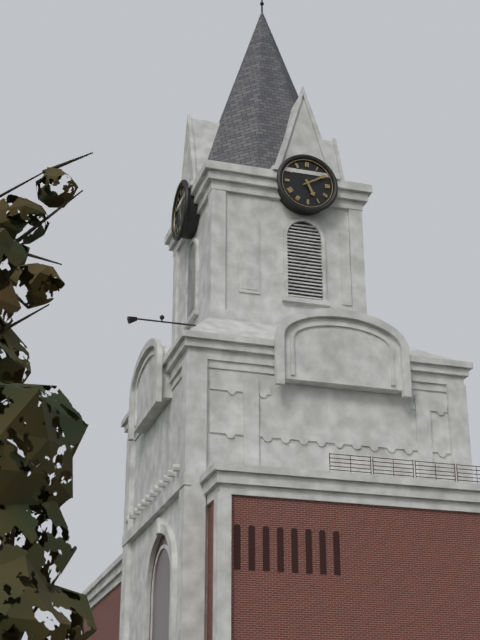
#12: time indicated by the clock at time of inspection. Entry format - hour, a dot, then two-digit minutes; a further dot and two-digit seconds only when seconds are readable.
5.10
